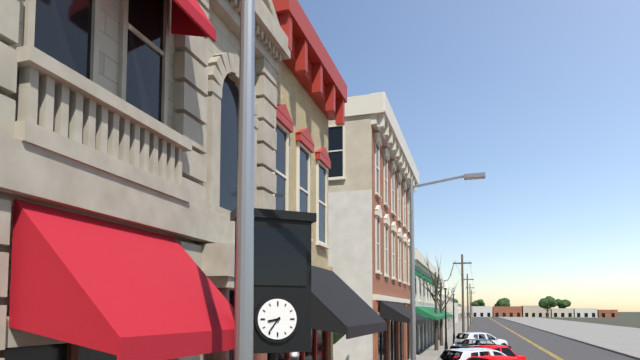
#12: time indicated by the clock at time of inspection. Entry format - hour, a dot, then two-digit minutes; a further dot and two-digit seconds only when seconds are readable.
8.36
